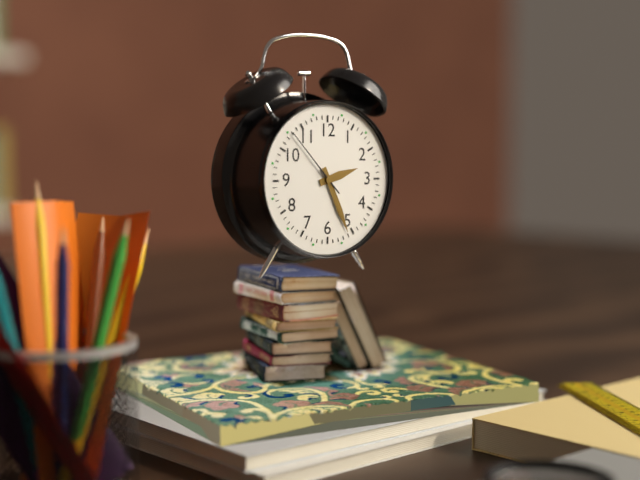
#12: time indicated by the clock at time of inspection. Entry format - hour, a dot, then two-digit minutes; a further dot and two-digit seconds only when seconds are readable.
2.26.53
